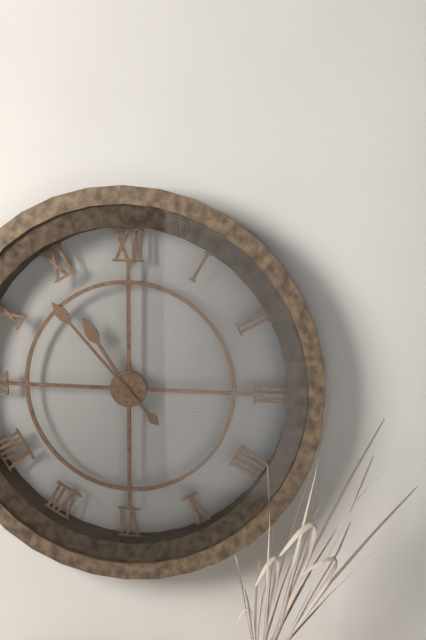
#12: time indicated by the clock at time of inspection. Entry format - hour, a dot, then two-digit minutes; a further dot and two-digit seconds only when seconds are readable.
10.53
